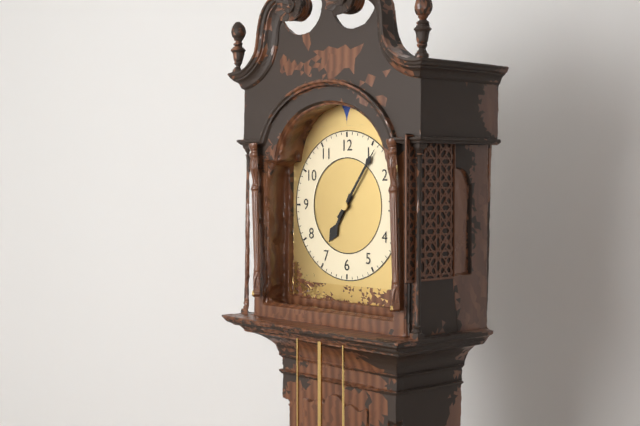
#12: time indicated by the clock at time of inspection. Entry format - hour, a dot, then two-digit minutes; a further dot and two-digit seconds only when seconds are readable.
7.06
